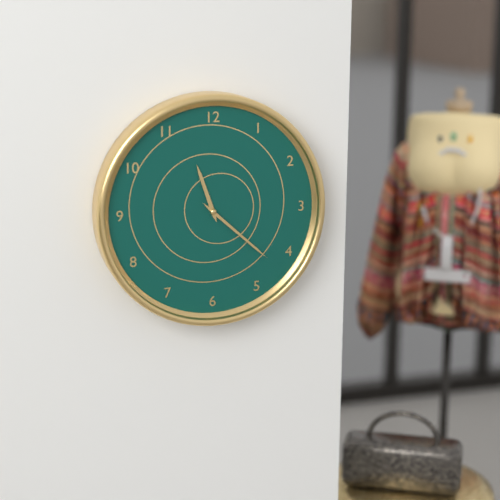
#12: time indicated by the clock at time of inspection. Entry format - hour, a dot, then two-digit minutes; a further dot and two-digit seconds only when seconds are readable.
11.22
